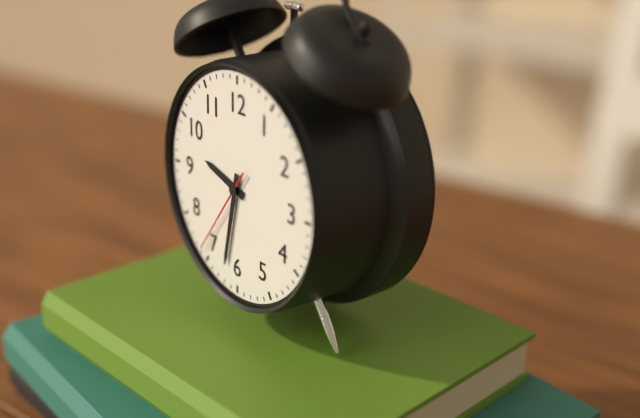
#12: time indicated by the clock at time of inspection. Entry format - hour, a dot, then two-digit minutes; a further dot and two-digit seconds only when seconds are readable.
9.32.36
